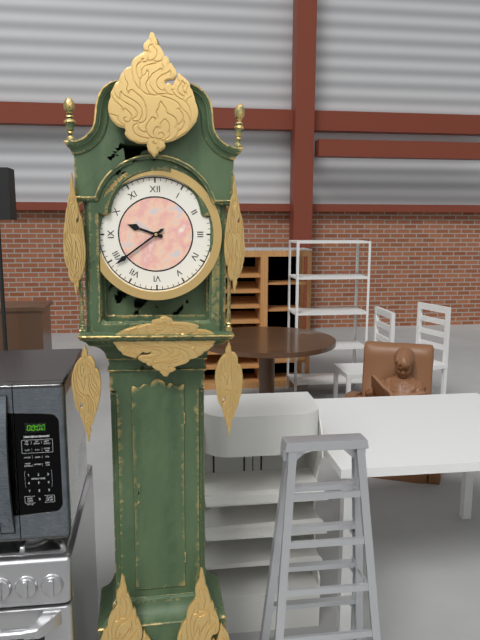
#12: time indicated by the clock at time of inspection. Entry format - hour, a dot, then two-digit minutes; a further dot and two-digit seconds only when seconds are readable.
9.39
